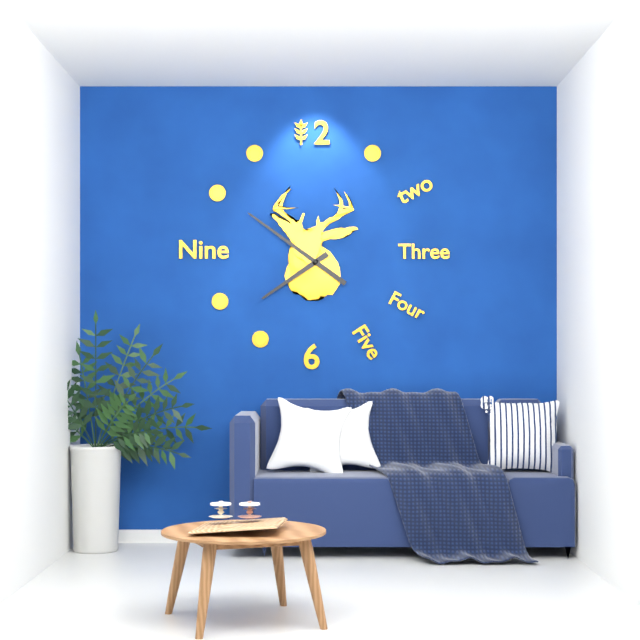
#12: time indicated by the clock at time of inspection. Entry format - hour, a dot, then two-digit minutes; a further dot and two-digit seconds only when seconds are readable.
7.51
